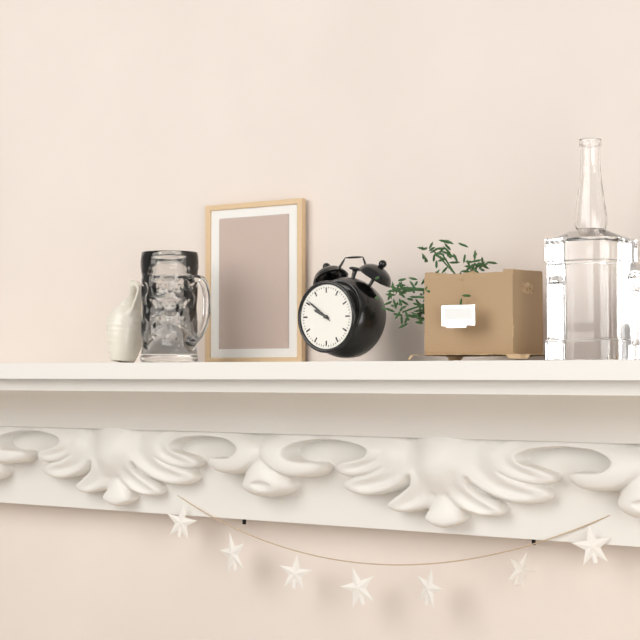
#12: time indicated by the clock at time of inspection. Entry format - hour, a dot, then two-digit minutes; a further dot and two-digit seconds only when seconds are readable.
9.51
